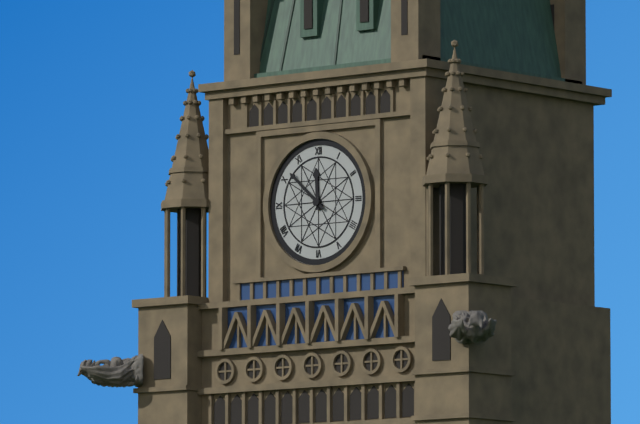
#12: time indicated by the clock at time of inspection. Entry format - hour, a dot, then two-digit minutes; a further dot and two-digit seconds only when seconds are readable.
11.52
